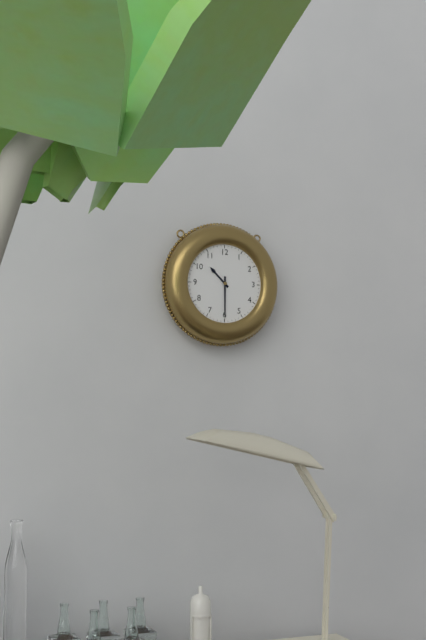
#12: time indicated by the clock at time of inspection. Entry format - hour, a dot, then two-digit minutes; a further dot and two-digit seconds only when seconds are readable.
10.30
